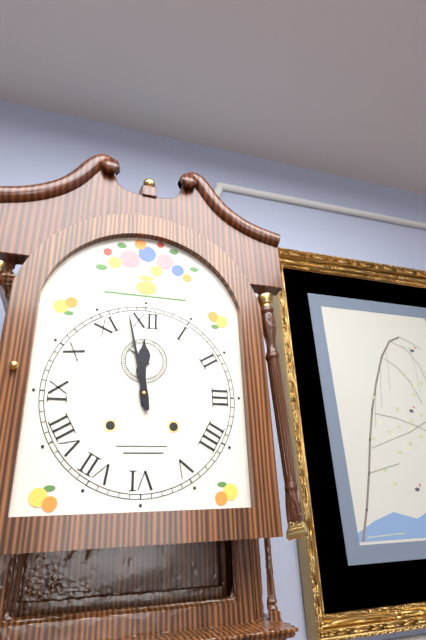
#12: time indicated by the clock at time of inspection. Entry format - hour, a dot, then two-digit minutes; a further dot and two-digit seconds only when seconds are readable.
11.58
